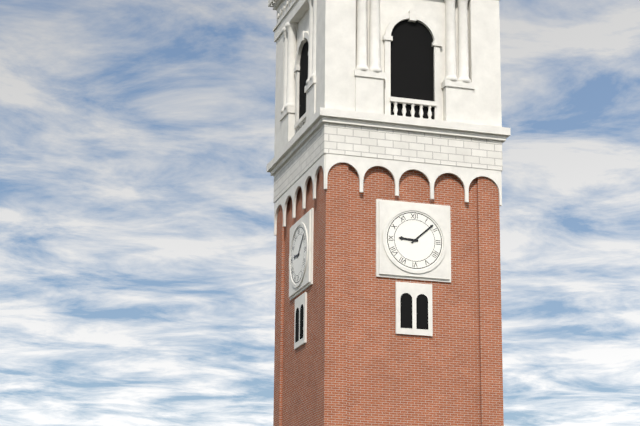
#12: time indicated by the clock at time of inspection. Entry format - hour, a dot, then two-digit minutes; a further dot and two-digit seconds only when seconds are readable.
9.08
